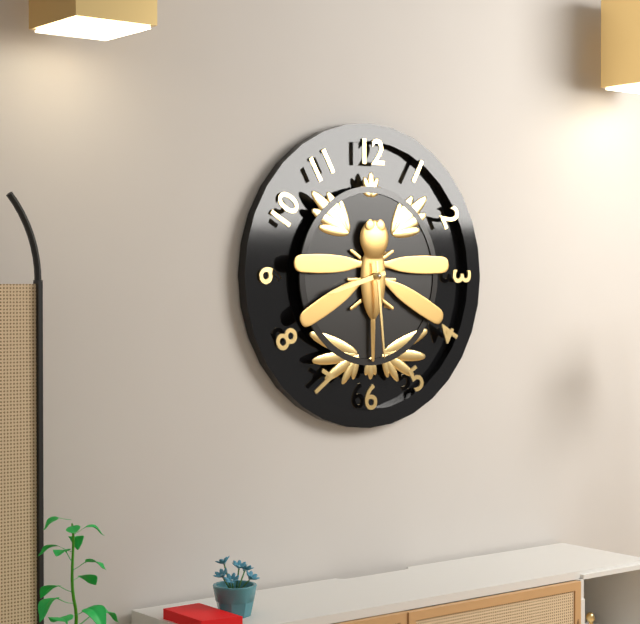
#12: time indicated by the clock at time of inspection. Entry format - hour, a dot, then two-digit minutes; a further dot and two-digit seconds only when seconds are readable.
8.29
